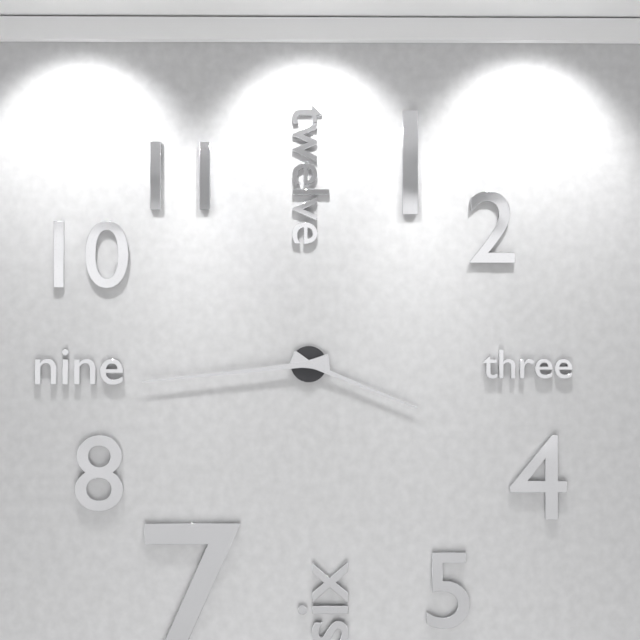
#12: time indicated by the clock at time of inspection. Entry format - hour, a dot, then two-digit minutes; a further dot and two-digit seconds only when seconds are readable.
3.44
